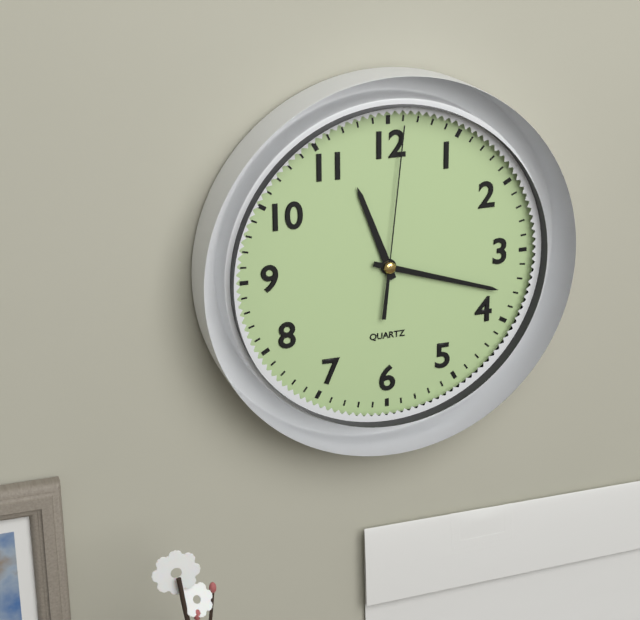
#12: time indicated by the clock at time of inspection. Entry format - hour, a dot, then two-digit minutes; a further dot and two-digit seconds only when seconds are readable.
11.18.01
